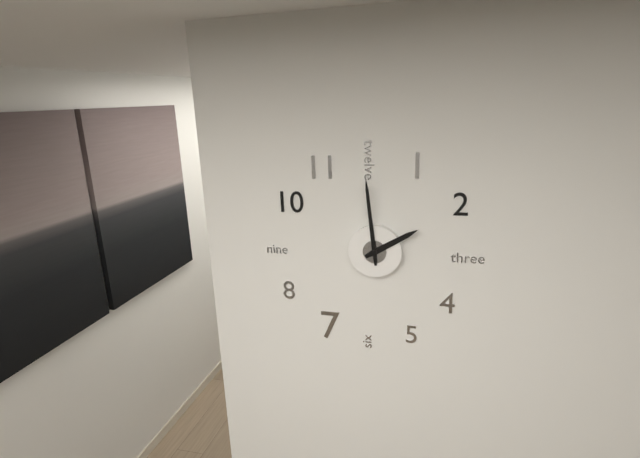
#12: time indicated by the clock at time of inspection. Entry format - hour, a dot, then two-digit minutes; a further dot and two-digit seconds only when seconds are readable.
1.59
